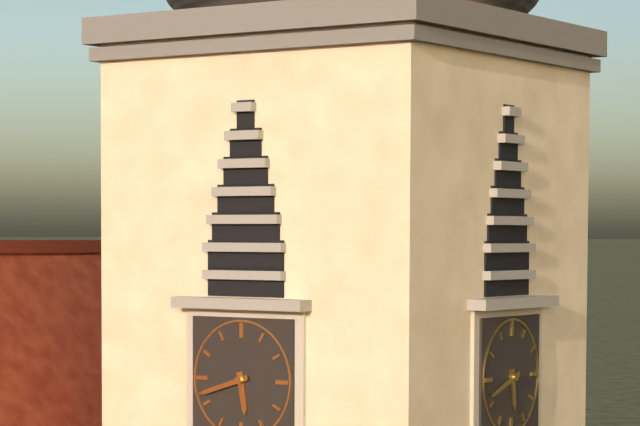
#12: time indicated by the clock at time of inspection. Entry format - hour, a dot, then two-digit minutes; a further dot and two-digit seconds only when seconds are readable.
5.42
